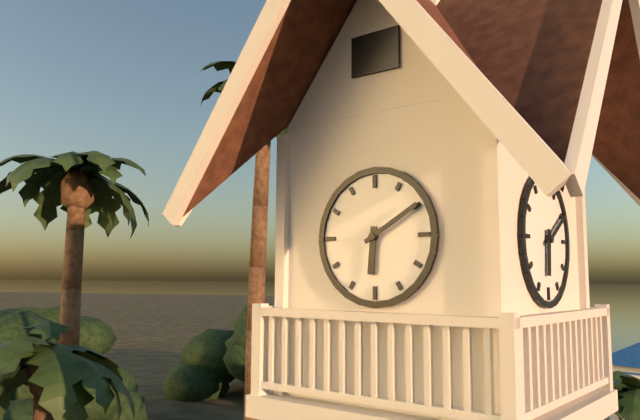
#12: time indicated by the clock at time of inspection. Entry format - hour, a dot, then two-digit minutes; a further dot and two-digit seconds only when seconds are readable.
6.10
